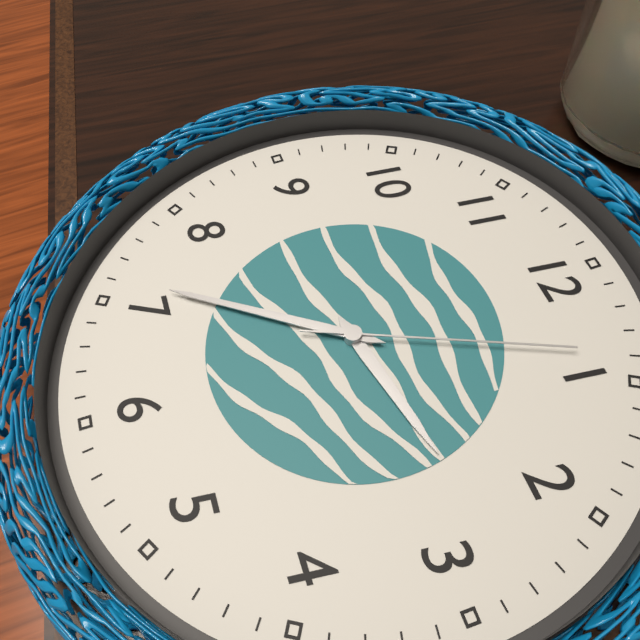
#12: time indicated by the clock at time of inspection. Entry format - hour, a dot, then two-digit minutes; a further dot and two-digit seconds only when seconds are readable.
2.36.04
